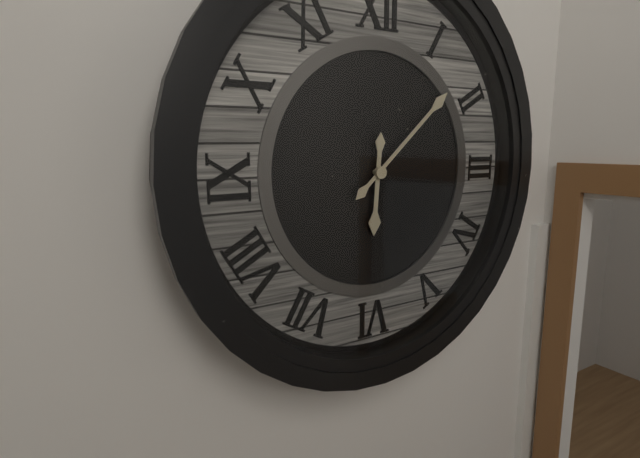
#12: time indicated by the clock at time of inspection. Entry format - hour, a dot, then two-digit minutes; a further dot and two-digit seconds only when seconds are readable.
6.08
